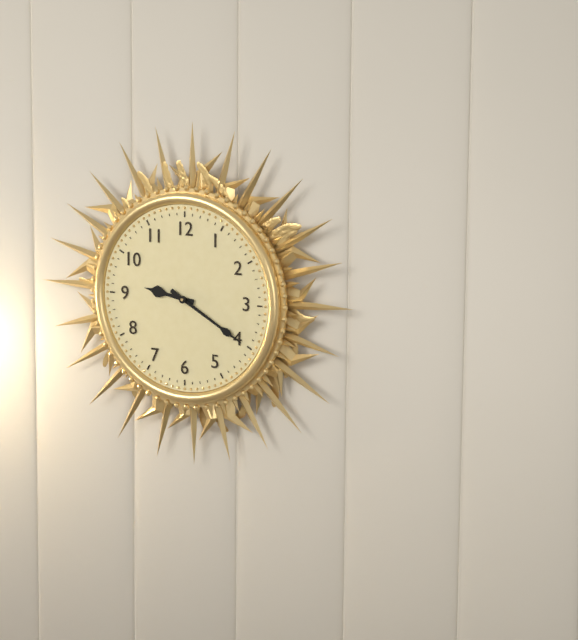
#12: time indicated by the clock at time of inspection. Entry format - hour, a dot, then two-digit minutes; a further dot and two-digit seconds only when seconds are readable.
9.20
